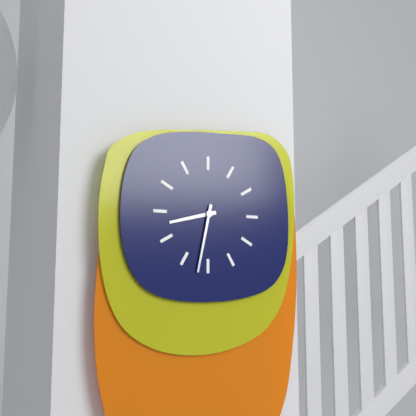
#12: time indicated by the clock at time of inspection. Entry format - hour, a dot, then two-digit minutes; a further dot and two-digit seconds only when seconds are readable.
8.32
